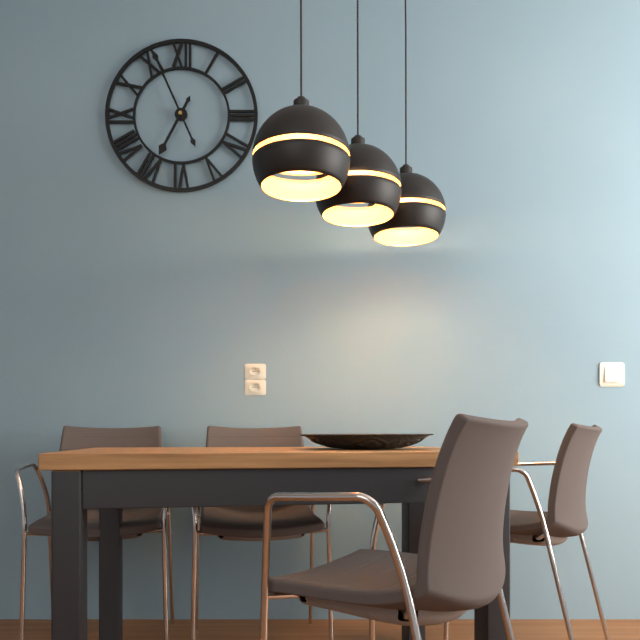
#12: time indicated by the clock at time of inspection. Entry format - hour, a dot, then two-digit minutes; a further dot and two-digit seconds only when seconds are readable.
6.56
